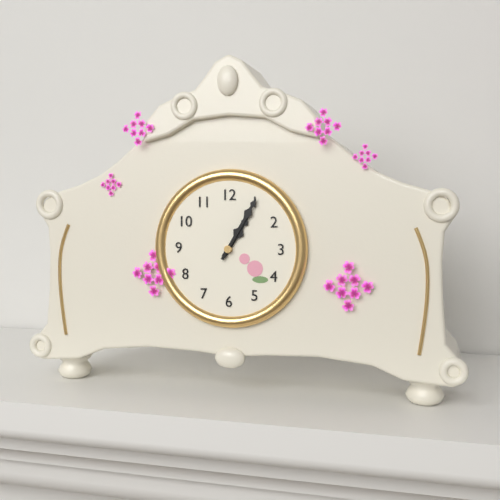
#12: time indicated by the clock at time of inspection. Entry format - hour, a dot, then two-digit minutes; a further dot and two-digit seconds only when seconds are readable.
1.05
